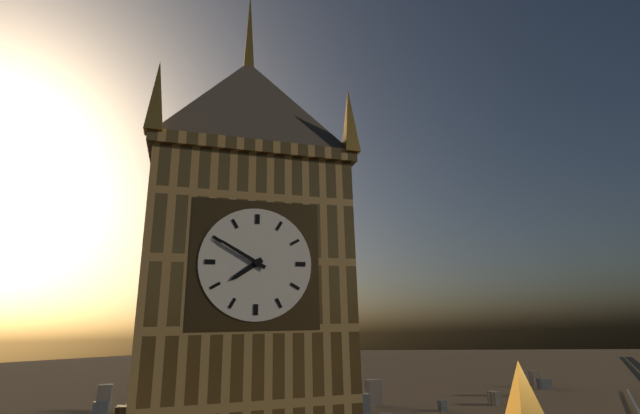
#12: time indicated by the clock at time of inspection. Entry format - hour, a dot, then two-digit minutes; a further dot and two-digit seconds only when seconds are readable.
7.50
